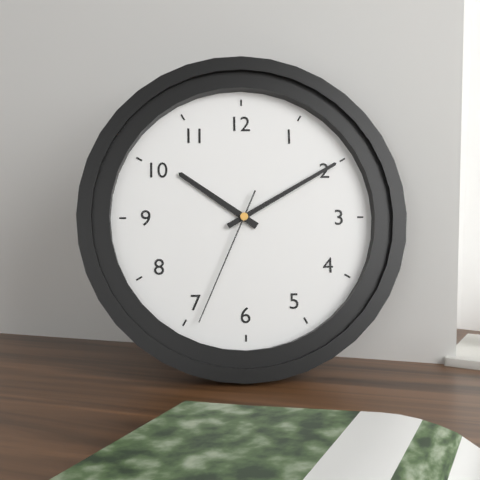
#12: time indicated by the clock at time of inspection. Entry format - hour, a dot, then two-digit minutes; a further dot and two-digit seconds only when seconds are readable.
10.10.34
